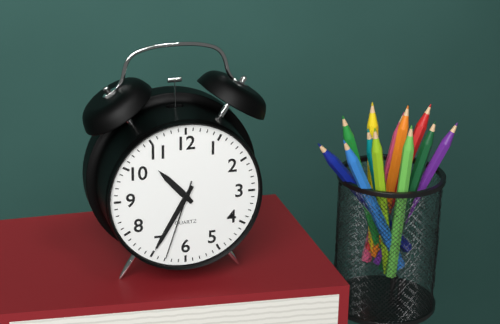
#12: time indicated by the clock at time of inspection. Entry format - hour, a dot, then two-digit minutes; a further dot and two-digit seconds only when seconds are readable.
10.35.33
